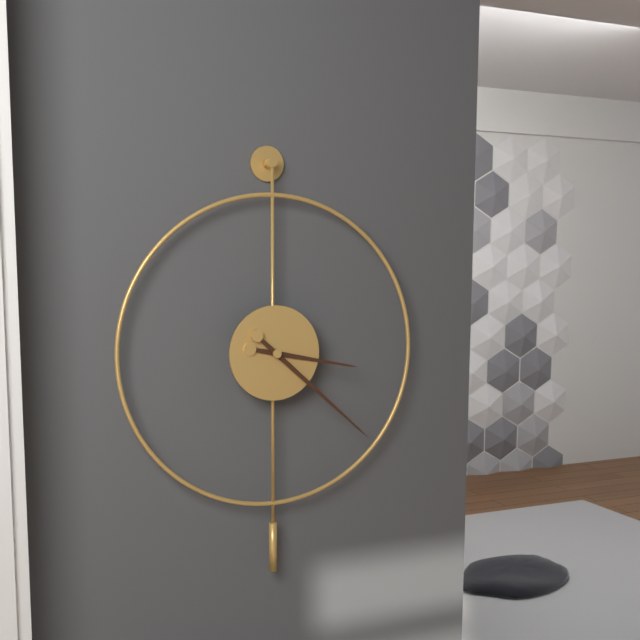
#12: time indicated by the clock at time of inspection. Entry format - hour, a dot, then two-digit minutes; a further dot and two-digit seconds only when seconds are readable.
3.22
